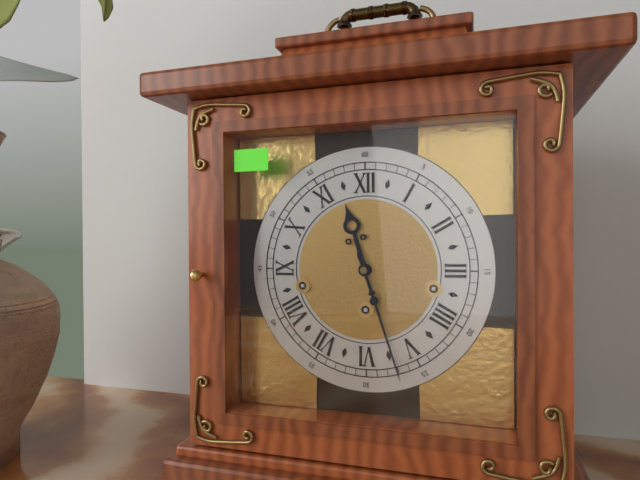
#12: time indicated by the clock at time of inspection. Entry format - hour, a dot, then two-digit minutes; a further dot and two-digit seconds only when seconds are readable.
11.27
